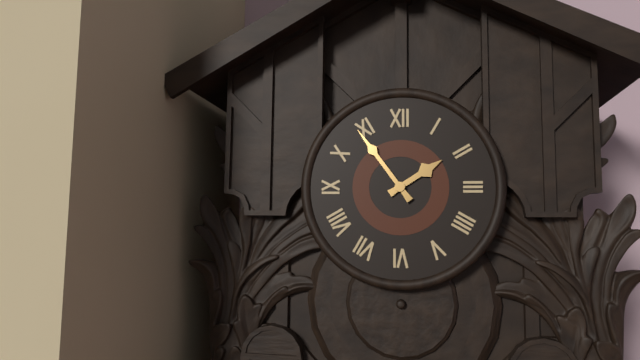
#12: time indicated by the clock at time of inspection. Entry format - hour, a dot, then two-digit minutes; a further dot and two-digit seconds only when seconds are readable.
1.54
